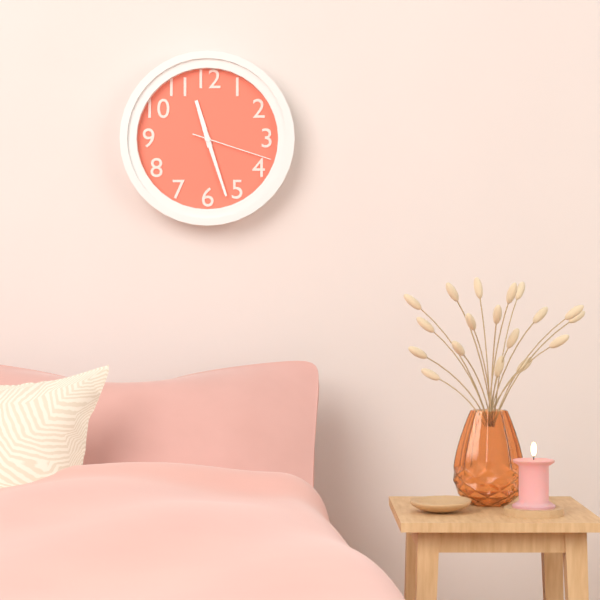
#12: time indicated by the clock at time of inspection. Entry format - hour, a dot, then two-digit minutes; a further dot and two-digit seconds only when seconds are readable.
11.27.18
